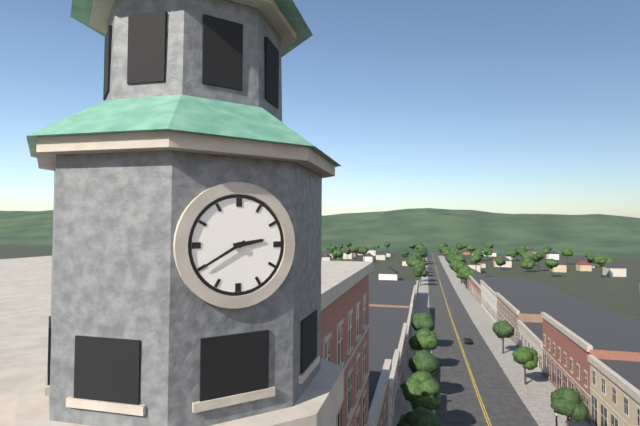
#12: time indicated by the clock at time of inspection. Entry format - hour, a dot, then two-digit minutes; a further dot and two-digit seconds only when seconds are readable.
2.40
